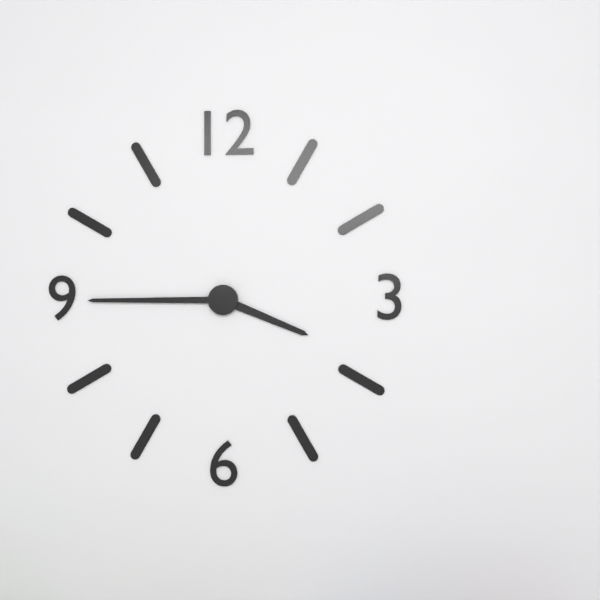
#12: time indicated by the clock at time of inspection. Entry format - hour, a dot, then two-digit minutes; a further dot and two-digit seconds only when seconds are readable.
3.45
